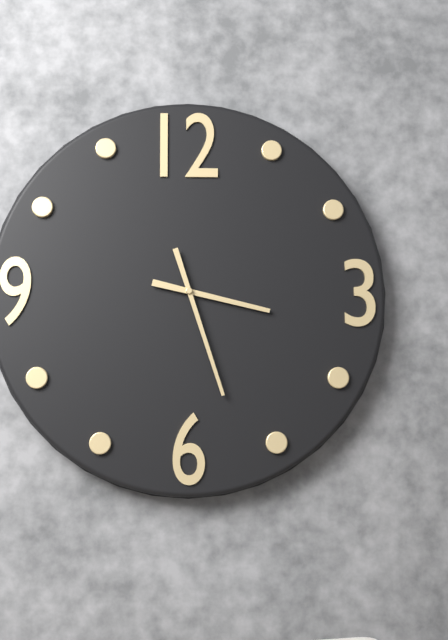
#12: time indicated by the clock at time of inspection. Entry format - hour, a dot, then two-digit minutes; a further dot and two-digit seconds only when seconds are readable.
3.27
